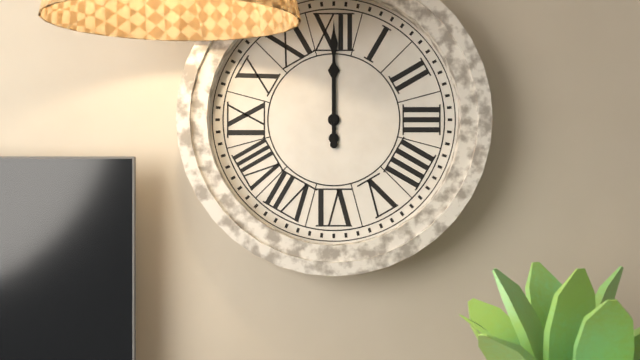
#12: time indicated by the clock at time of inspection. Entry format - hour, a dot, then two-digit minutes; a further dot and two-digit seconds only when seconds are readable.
12.00
